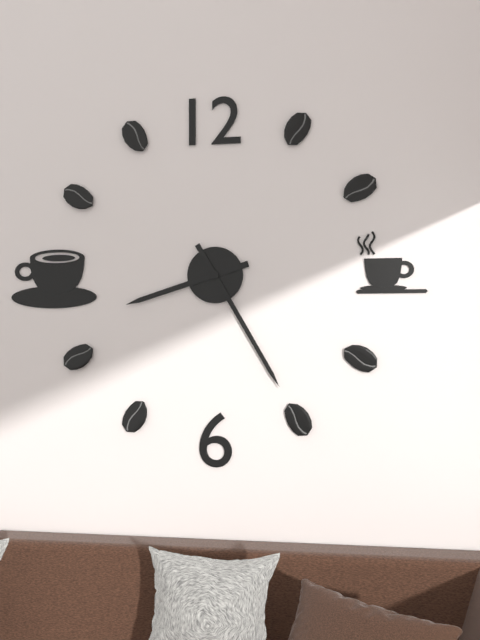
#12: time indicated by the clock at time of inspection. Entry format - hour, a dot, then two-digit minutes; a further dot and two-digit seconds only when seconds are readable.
8.25
